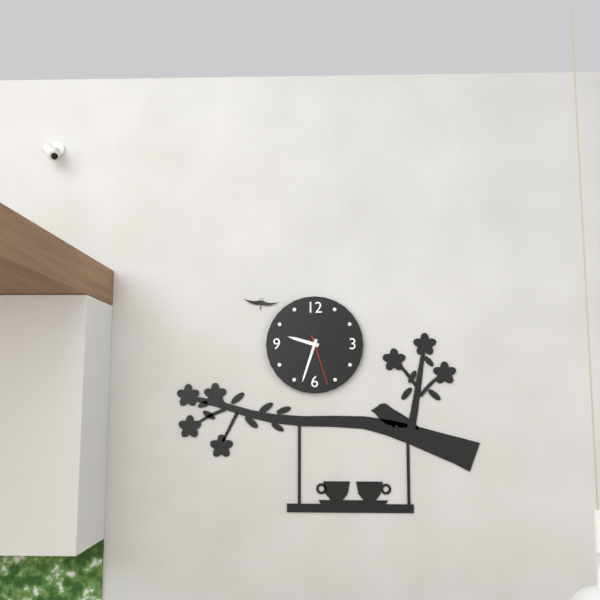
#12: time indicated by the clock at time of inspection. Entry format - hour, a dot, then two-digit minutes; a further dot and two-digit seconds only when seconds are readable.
9.33.27
